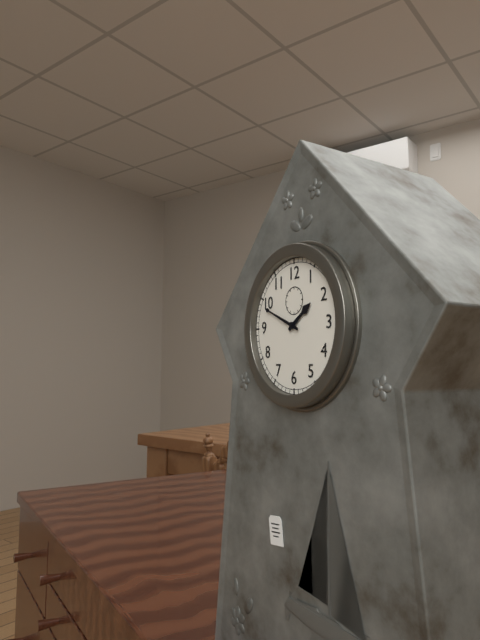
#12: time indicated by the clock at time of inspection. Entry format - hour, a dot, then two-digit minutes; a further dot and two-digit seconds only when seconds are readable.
1.49
